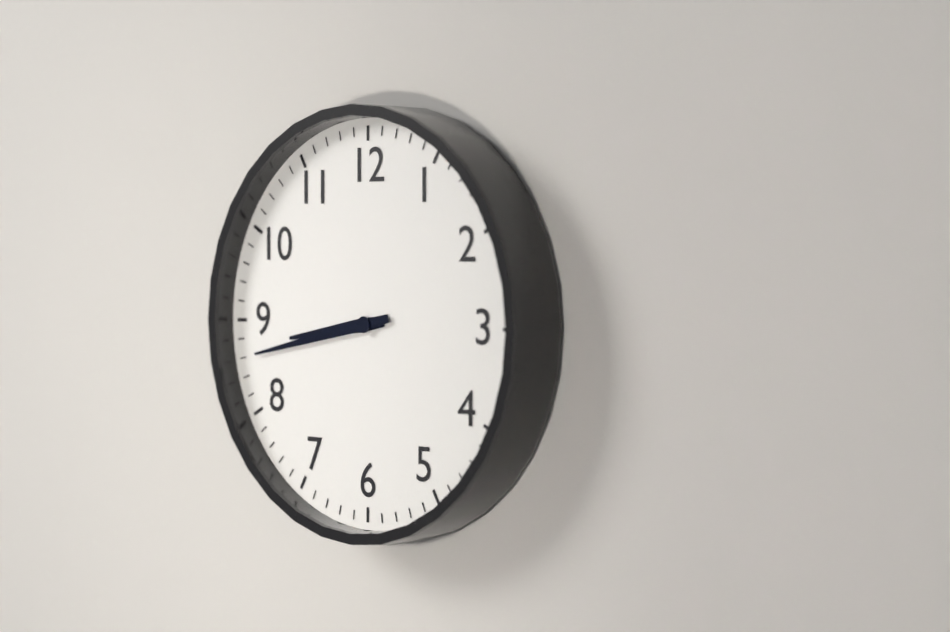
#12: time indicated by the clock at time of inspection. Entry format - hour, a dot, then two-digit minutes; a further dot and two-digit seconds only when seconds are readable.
8.43
